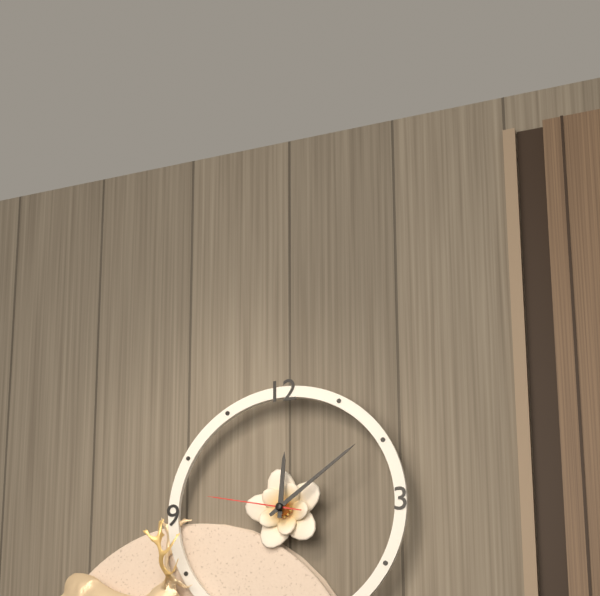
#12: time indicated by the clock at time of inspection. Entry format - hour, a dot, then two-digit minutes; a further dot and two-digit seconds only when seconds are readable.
12.09.47
